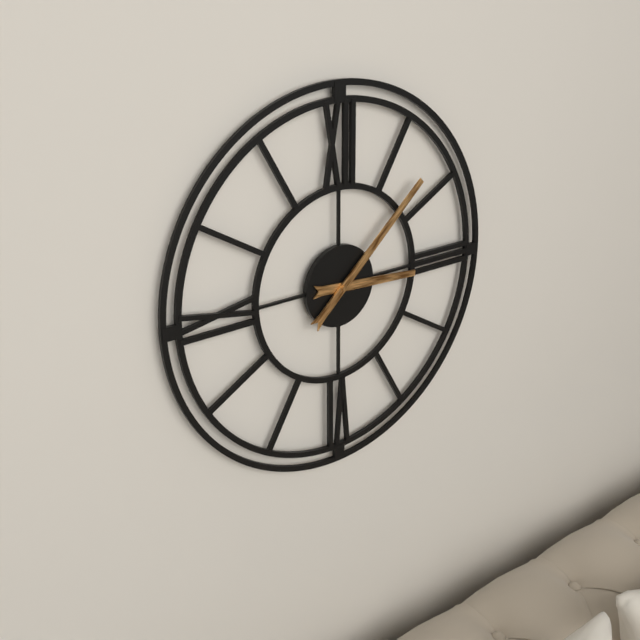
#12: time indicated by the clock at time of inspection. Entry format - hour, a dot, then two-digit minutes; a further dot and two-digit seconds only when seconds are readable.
3.08
